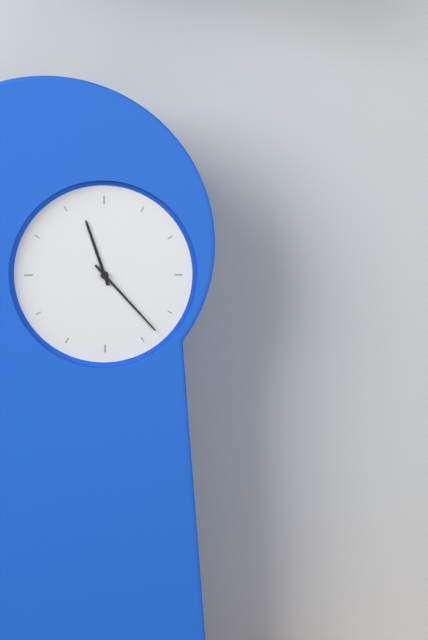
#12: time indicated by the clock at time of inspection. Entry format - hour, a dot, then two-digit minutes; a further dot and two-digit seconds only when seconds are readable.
11.23
